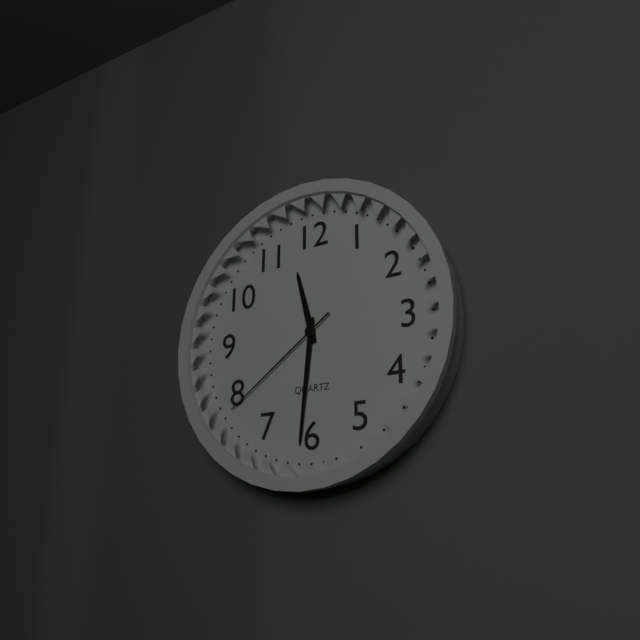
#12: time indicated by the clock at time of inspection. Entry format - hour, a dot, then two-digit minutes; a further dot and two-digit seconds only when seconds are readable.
11.31.39
